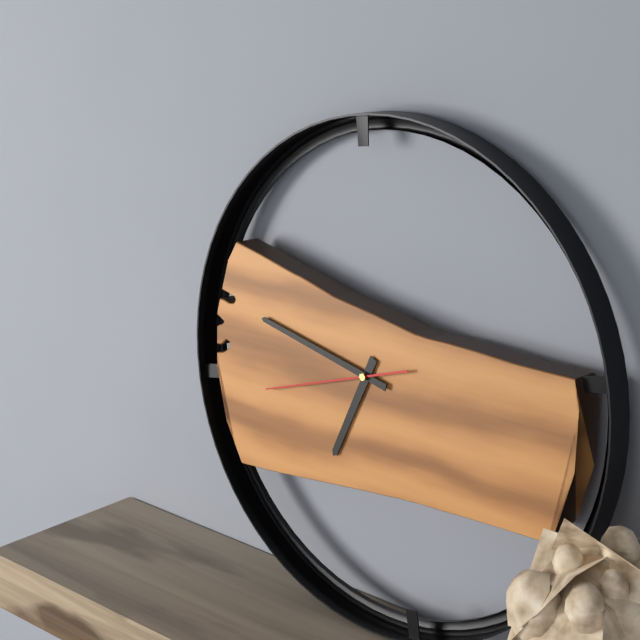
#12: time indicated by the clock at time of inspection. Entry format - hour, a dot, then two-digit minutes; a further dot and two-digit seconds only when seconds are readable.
6.47.42
